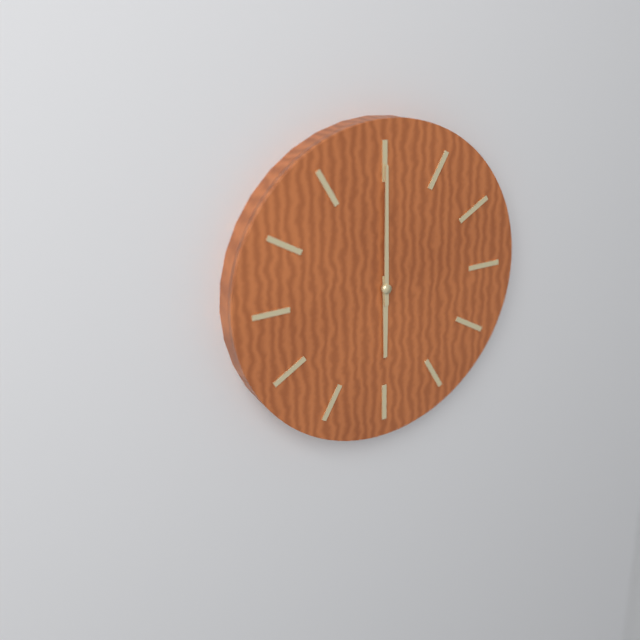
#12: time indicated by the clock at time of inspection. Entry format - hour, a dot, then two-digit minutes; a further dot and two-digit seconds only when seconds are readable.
6.00
